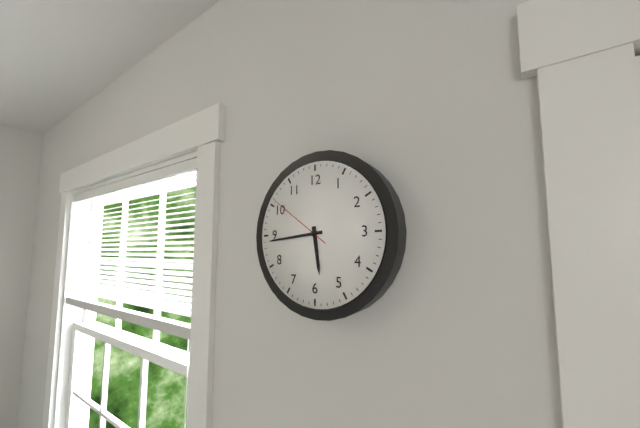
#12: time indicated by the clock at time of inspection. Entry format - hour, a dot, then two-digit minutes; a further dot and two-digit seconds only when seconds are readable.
5.44.51
